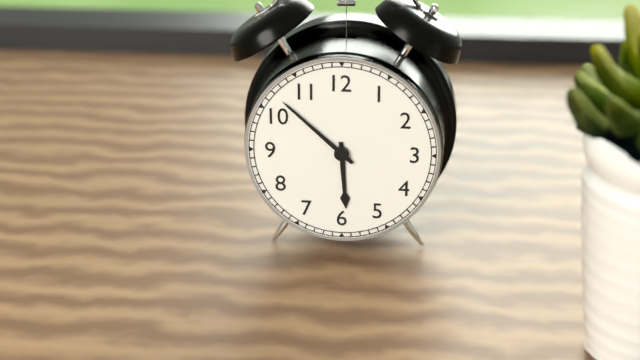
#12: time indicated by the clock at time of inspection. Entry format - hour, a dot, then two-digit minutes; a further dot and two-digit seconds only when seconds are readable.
5.52
